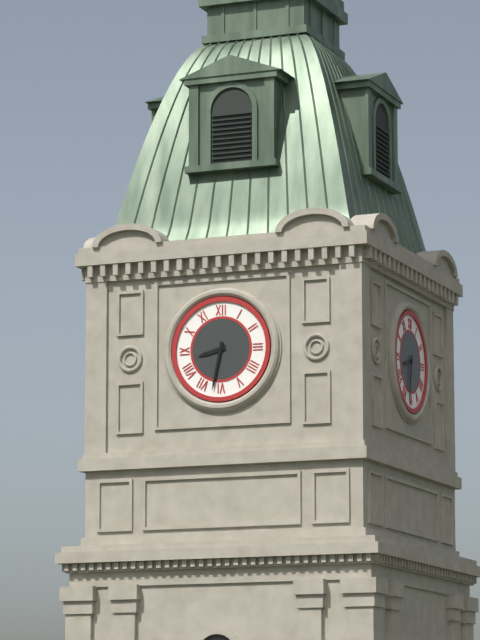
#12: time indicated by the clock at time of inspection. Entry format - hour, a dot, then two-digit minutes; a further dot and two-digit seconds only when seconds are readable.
8.32
